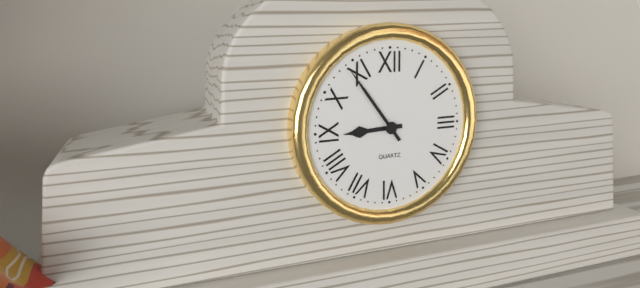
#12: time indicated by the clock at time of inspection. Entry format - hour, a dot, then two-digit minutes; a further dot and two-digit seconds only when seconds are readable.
8.54
